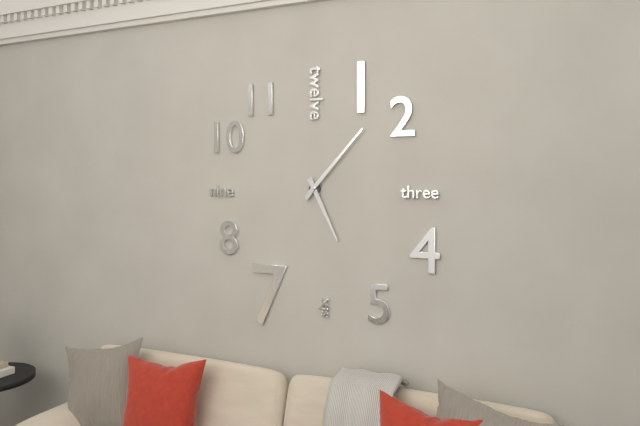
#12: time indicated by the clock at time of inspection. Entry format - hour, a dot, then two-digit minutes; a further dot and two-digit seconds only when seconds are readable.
5.07
